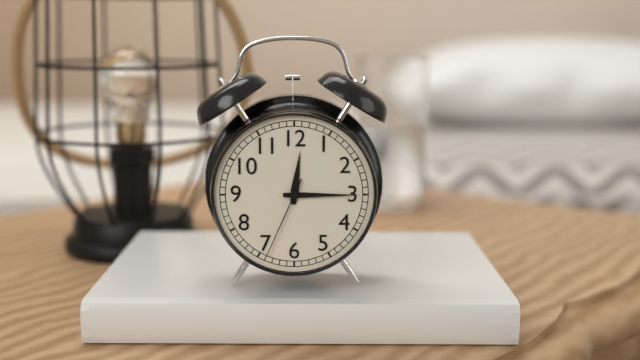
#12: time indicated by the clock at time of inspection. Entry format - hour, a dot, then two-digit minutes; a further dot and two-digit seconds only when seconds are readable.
12.15.34
